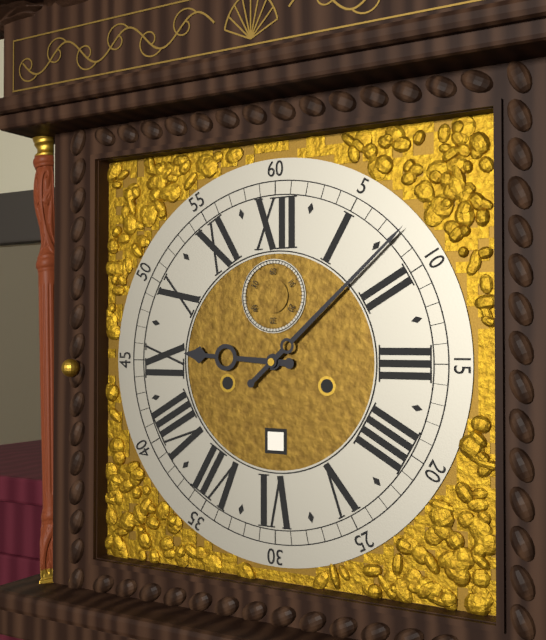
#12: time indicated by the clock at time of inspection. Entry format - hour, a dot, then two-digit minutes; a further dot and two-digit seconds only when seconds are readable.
9.08
